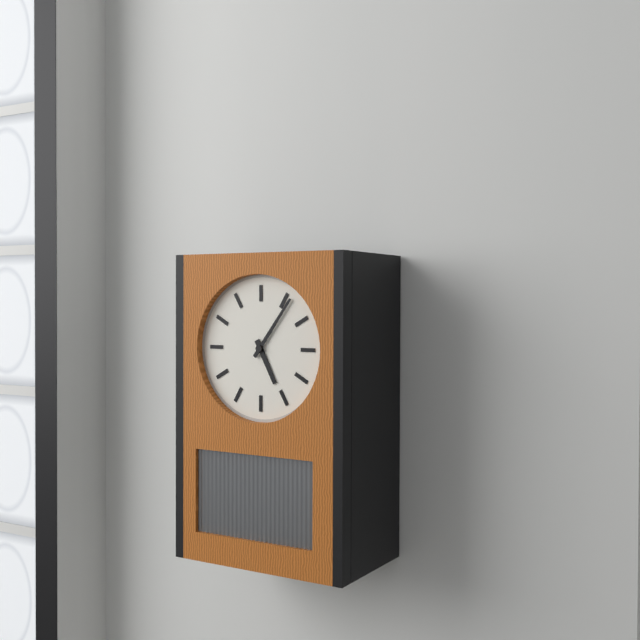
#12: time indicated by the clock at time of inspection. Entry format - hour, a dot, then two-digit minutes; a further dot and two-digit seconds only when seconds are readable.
5.06
